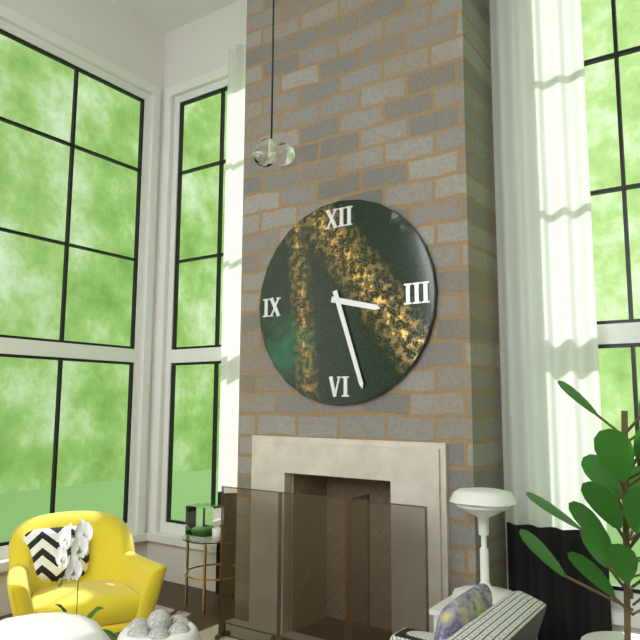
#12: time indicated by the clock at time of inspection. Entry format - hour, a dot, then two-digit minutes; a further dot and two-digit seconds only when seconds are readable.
3.27
